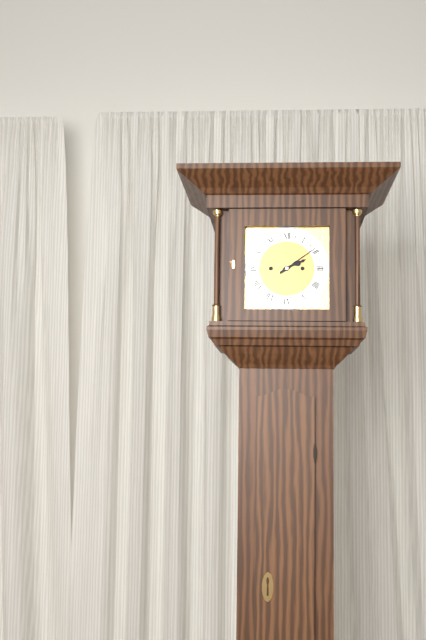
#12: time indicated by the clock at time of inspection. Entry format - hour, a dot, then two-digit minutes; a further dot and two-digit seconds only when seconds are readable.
2.09
